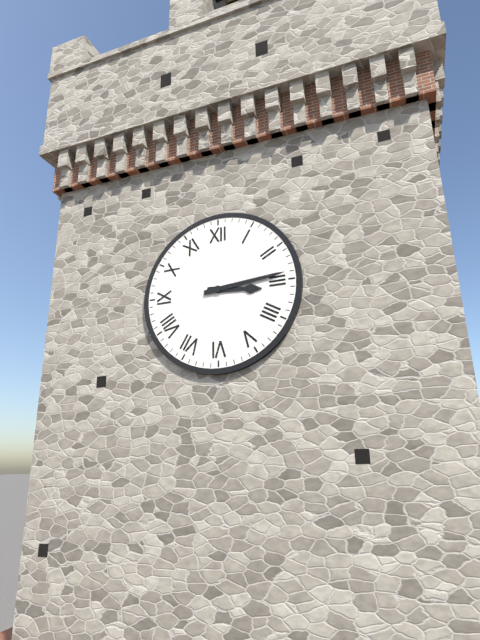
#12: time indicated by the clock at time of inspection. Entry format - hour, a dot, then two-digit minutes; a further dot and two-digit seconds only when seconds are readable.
3.14
